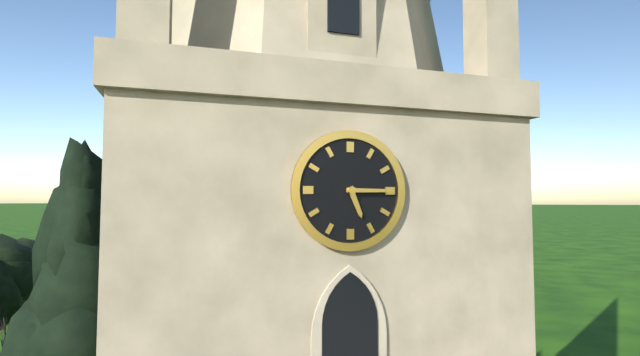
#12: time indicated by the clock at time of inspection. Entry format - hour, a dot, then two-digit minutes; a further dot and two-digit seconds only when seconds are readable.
5.15
